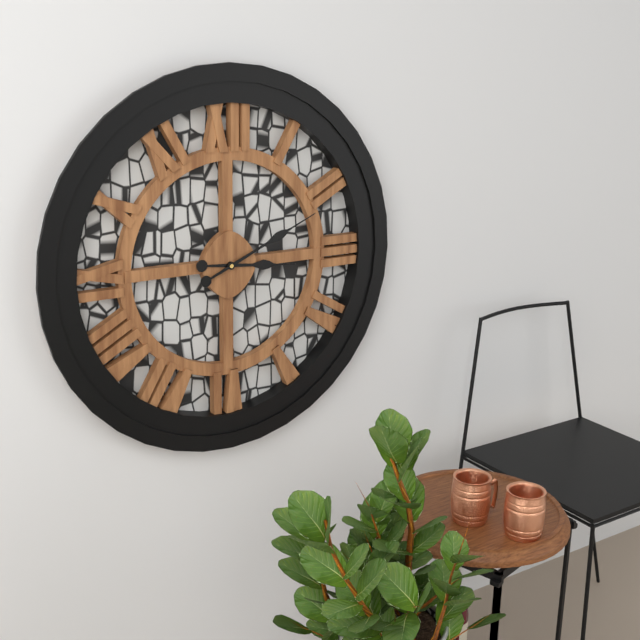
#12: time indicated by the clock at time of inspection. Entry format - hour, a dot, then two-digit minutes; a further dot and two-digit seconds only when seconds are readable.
3.11
